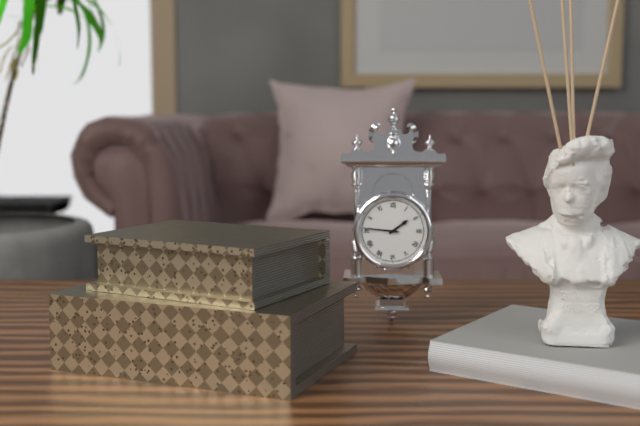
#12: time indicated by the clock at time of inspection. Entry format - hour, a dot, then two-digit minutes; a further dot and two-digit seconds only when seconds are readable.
1.46
